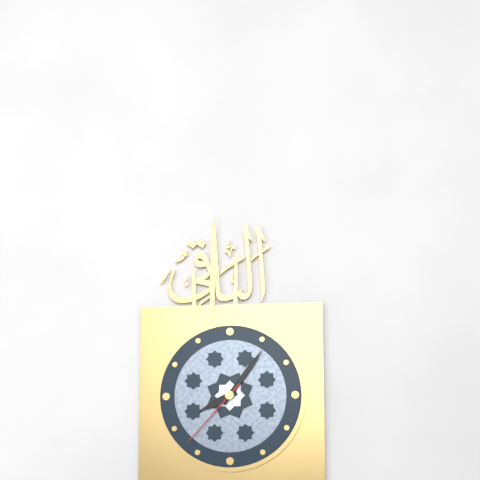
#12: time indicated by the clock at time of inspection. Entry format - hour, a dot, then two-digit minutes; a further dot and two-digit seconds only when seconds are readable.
8.06.37
